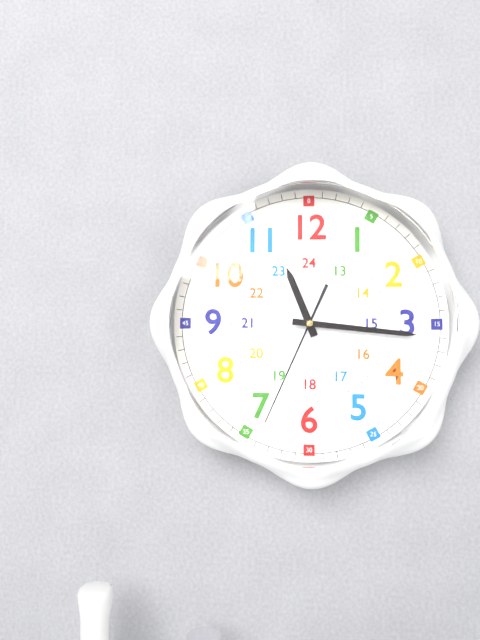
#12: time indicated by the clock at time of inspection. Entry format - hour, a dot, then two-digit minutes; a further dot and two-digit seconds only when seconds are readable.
11.16.34
